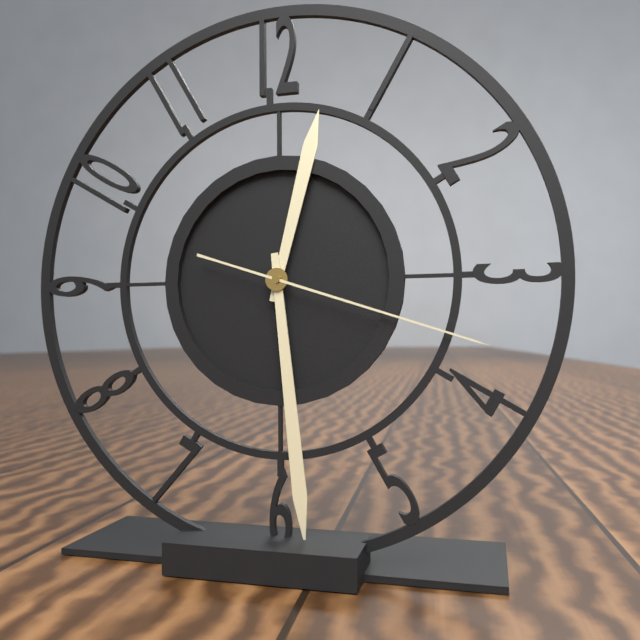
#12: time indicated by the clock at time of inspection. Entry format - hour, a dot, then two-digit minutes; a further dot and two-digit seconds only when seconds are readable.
12.29.18
